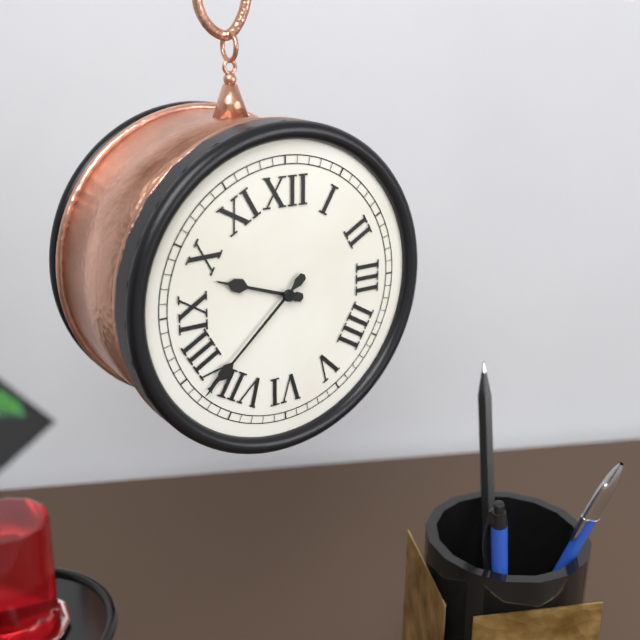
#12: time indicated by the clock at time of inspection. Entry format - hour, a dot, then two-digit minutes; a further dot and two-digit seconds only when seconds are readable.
9.38
